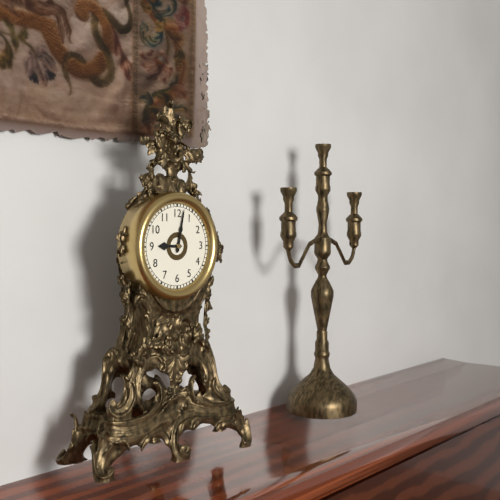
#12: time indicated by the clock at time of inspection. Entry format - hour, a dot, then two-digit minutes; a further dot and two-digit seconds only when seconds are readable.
9.02
